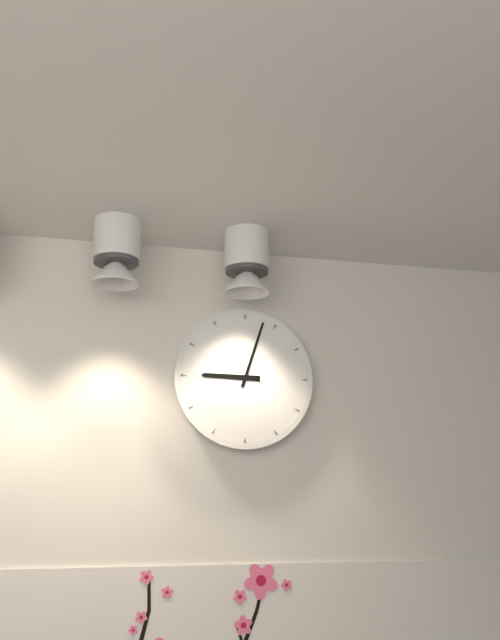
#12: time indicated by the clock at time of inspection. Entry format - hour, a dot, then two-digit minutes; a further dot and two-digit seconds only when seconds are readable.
9.03
